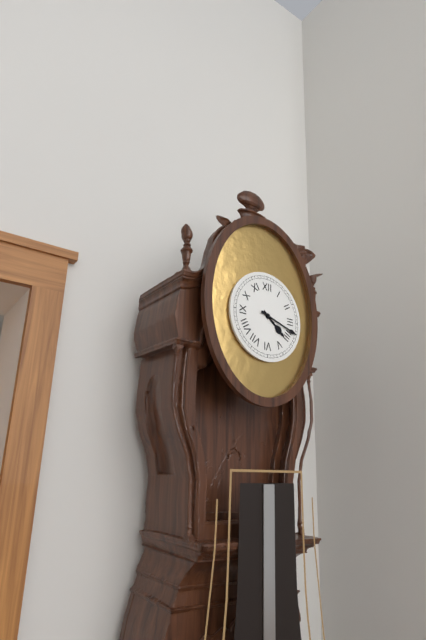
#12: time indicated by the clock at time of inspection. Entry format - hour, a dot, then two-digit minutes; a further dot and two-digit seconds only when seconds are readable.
4.18
